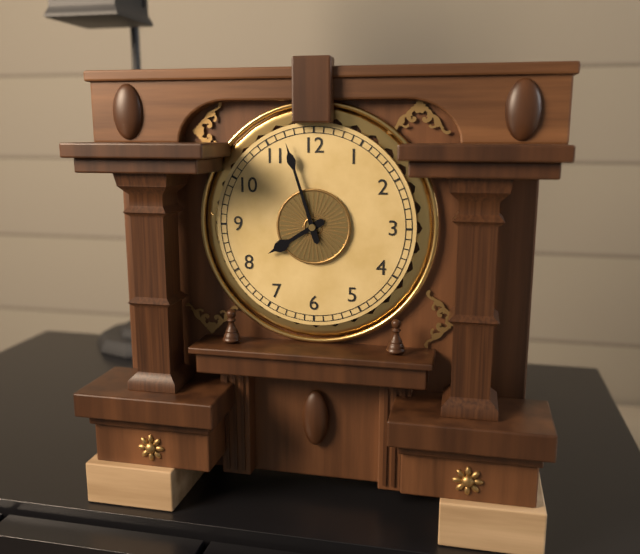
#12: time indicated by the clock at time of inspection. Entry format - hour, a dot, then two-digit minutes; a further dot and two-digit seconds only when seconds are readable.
7.57
